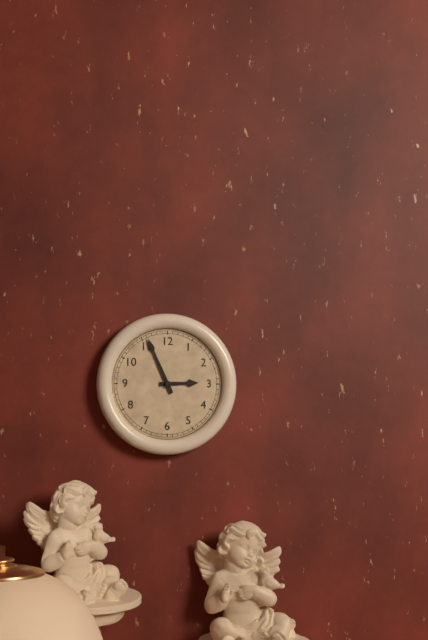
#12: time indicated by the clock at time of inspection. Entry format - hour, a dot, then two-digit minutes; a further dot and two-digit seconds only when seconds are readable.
2.56
